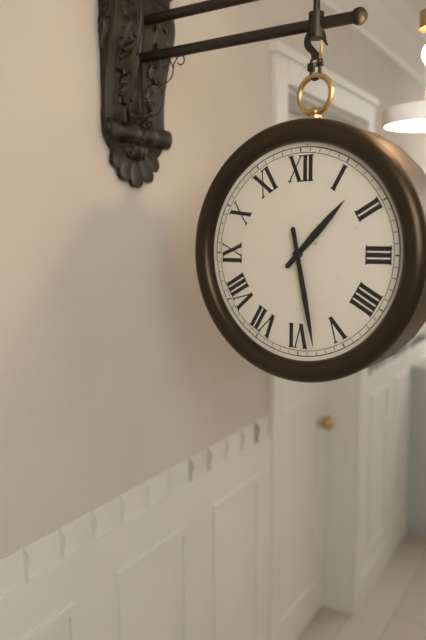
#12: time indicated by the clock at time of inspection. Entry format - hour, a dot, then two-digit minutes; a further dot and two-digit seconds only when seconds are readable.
1.28
